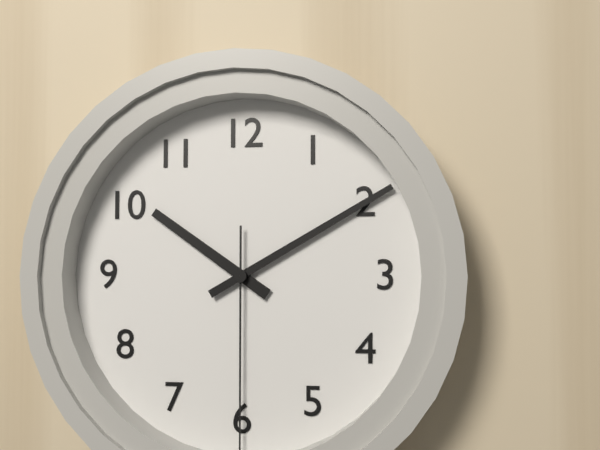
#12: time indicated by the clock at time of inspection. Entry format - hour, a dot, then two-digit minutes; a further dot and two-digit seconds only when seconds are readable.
10.10
